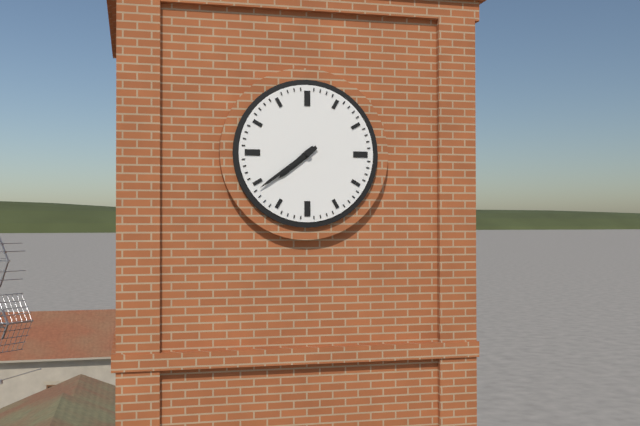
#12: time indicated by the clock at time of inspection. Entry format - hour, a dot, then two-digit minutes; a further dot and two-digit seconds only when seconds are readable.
7.39
